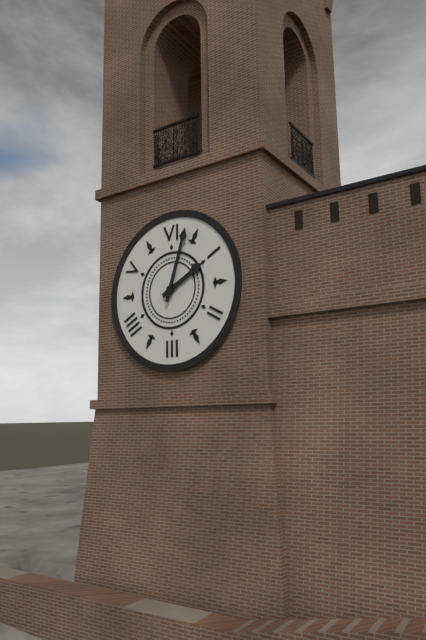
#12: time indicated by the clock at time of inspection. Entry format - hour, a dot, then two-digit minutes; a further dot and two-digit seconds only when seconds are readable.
2.03
